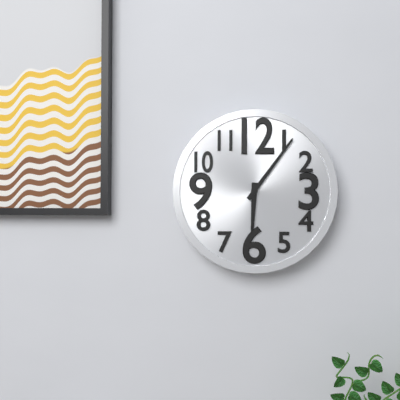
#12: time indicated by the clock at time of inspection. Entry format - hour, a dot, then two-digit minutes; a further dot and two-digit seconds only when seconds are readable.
6.06
